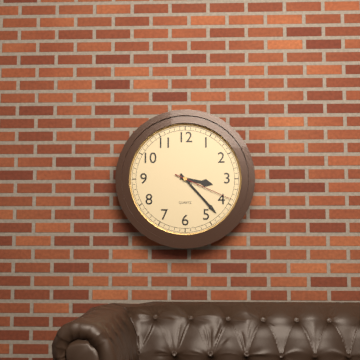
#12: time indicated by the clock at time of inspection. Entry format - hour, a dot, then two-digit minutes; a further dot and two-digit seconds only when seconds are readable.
3.23.19
